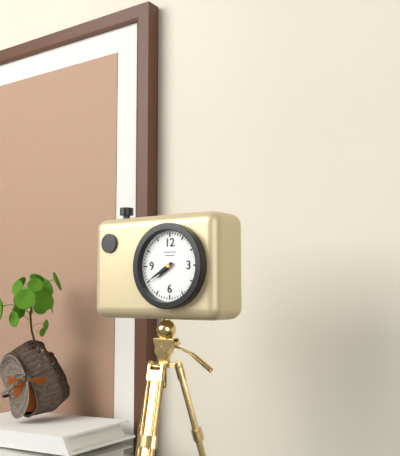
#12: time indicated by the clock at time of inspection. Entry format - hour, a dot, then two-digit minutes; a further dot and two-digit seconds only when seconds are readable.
7.40
